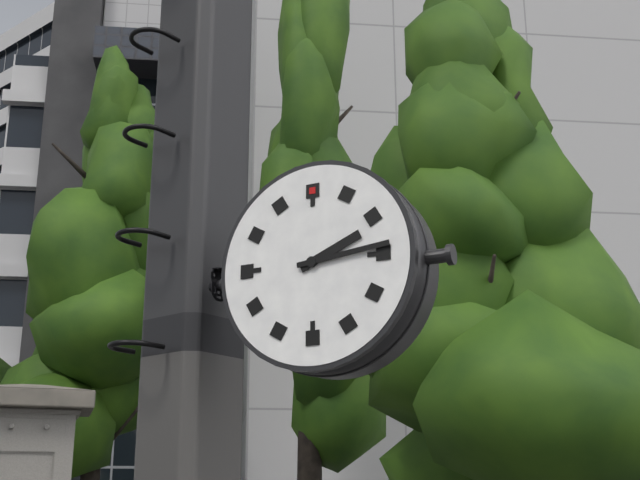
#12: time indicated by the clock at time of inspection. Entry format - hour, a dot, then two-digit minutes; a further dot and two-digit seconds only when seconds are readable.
2.14
